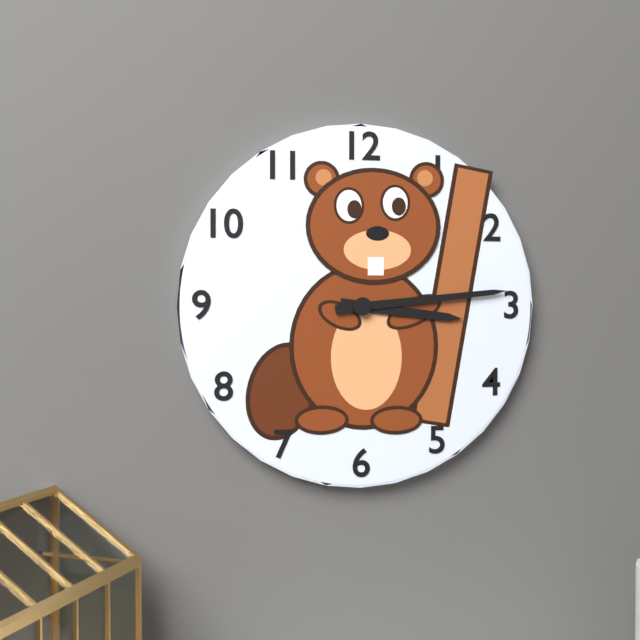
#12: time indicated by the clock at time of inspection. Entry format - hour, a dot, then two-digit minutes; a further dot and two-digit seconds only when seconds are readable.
3.14
